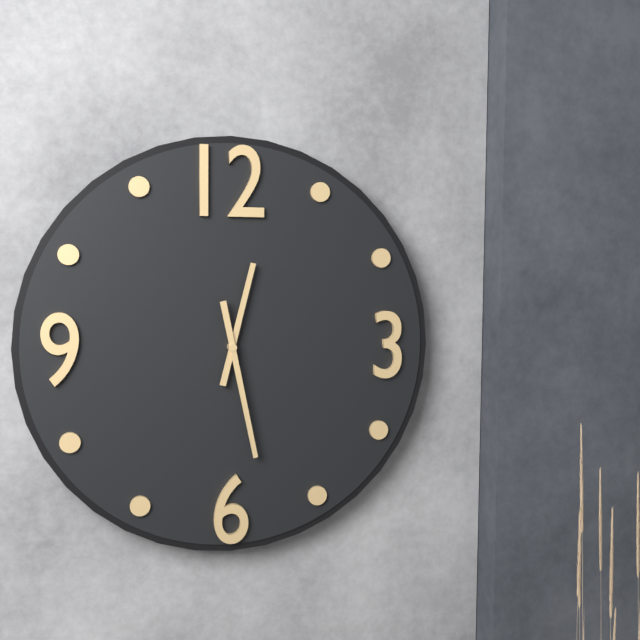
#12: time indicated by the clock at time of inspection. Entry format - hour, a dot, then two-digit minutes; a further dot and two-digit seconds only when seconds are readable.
12.28
